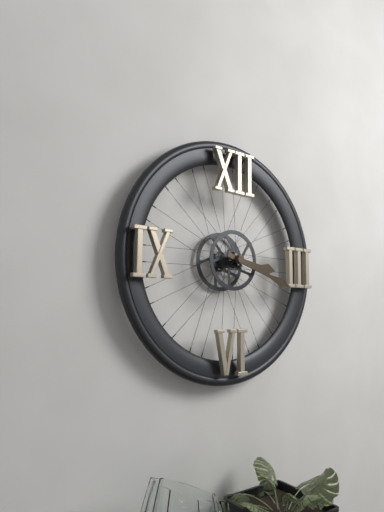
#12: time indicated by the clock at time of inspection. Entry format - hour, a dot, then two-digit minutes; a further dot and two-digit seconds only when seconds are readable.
3.18
